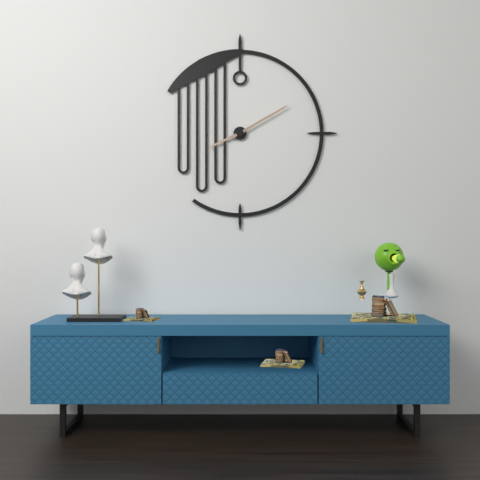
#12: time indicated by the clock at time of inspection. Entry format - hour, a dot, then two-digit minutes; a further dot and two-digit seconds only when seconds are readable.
8.10
